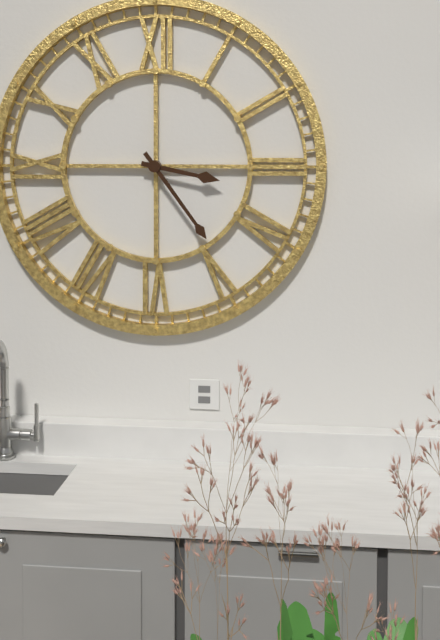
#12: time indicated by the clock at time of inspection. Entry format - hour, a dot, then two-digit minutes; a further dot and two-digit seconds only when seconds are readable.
3.24
